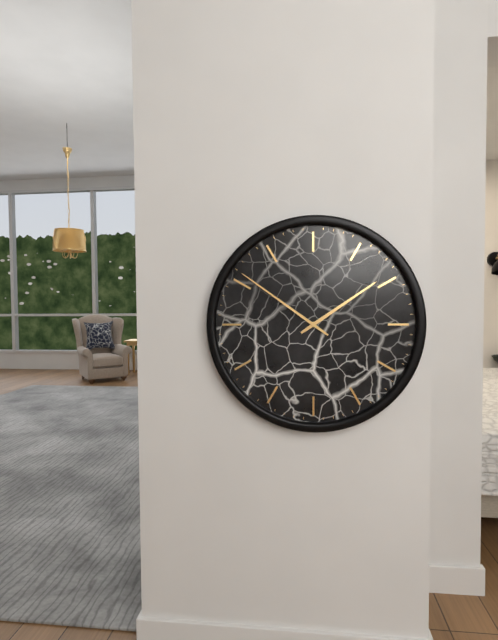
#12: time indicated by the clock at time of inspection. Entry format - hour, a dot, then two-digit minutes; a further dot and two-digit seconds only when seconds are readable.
1.51
